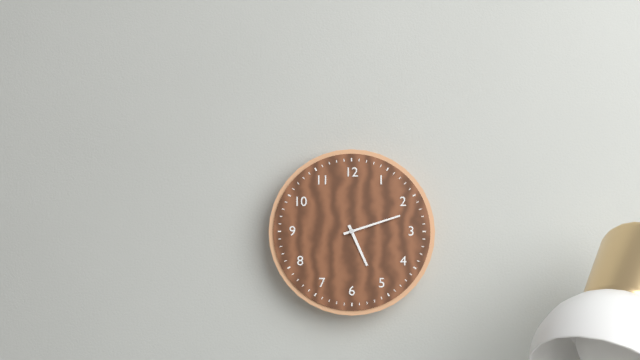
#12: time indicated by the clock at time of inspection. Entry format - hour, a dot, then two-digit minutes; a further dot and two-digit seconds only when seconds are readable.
5.12
